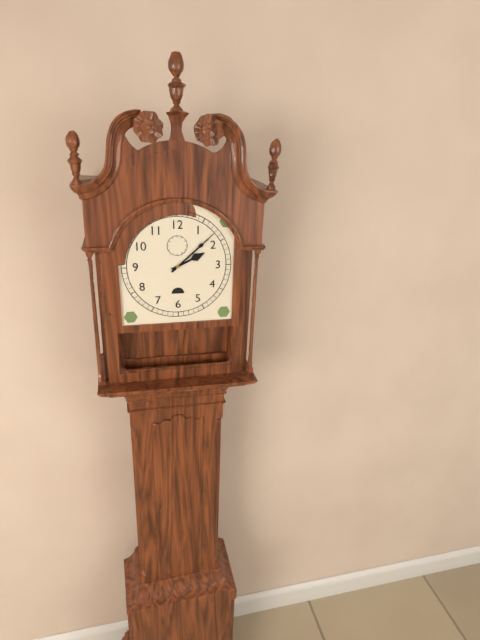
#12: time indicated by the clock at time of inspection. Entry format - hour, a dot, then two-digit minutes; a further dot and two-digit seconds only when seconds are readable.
2.08
